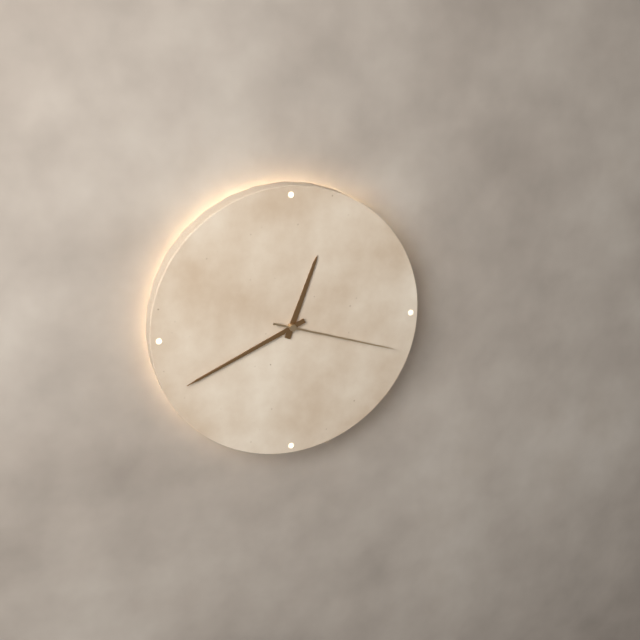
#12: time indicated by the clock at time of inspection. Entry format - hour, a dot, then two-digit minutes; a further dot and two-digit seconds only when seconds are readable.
12.41.18
